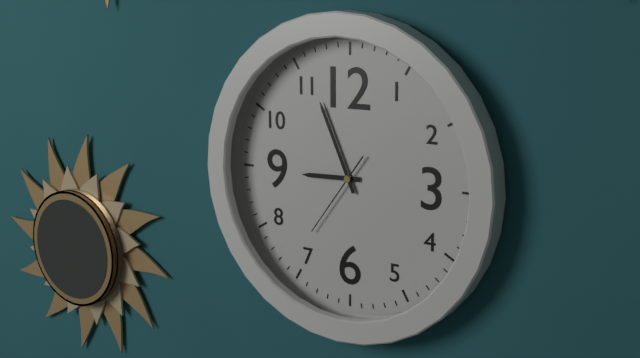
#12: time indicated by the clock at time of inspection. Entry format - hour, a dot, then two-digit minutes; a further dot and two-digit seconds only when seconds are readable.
8.56.36
